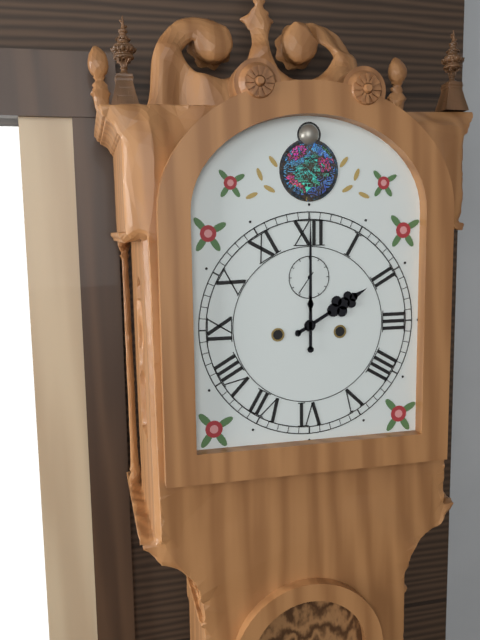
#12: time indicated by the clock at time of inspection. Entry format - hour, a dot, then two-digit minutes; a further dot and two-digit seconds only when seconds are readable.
2.00
